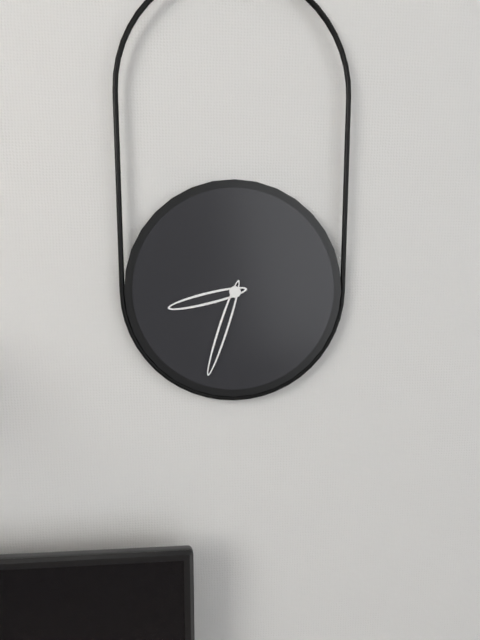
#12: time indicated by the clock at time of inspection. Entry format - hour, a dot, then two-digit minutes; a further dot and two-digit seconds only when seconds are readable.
8.33
